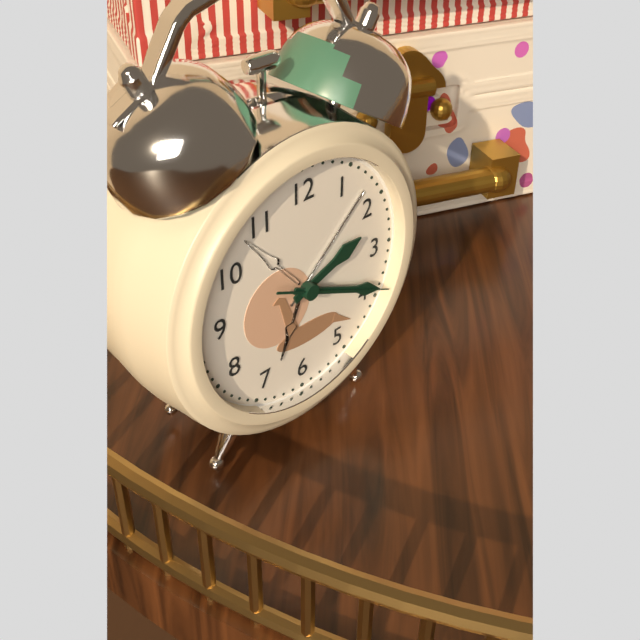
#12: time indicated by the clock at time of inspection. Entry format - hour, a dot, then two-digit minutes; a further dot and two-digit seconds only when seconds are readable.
2.19.19
